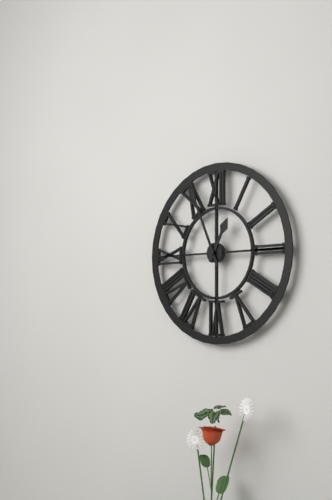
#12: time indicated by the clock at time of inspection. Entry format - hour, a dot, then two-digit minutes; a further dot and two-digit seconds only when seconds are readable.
12.56
